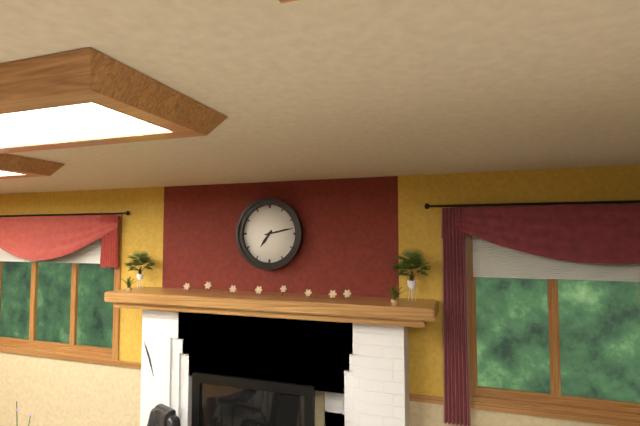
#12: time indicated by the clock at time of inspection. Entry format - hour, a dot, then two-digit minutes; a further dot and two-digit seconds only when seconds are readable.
7.13
